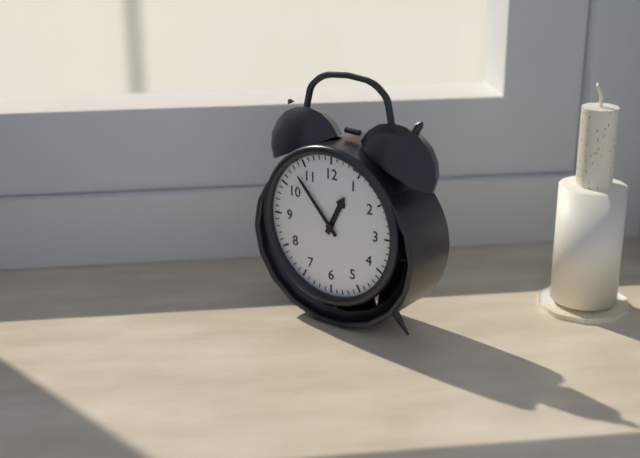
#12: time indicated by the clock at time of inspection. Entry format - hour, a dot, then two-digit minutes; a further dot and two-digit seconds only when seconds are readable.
12.53
